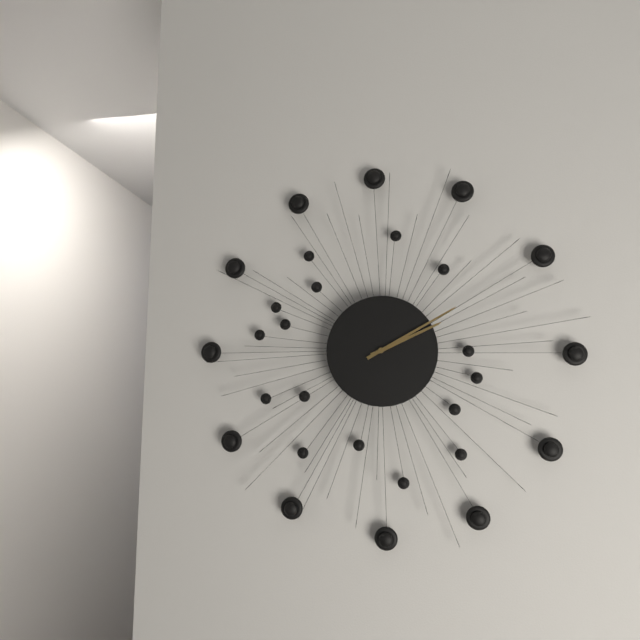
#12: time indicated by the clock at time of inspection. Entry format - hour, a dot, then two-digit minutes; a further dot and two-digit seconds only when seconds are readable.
2.10
